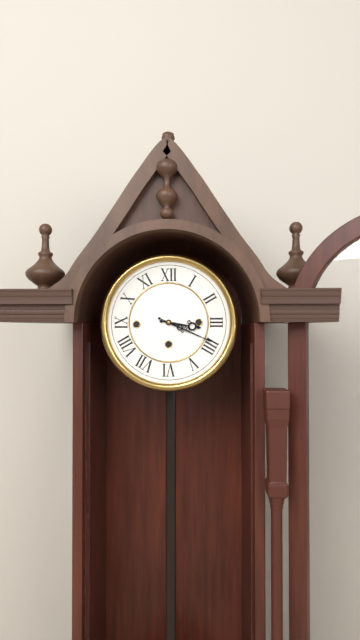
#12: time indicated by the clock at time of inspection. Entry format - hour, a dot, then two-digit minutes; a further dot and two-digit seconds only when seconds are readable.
3.19
